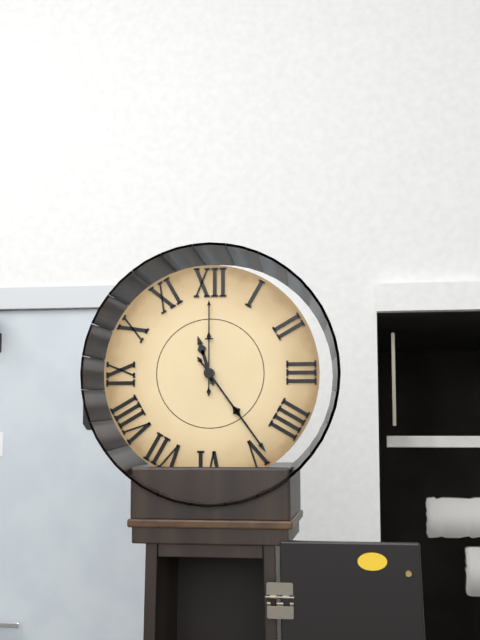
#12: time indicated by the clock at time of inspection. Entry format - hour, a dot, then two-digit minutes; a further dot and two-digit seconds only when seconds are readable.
11.24.00
